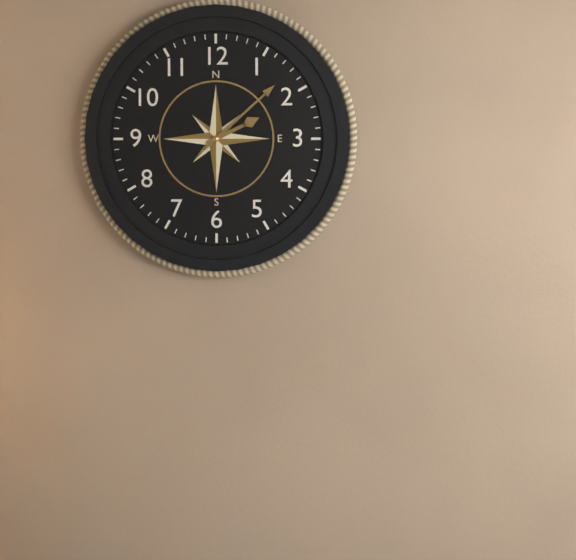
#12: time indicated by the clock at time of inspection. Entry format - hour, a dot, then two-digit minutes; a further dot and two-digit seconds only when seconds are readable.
2.08
